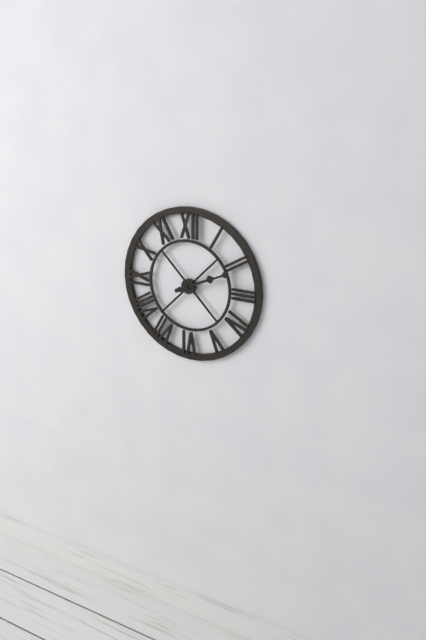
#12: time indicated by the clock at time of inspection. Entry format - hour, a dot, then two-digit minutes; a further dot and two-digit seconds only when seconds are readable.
2.11
